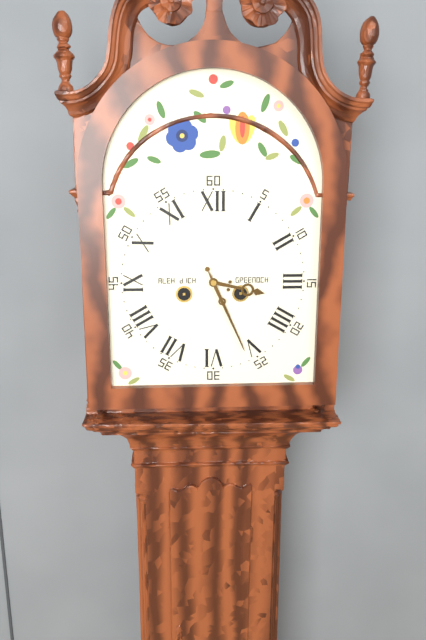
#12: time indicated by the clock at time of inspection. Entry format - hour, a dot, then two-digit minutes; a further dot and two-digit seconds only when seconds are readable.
3.26
